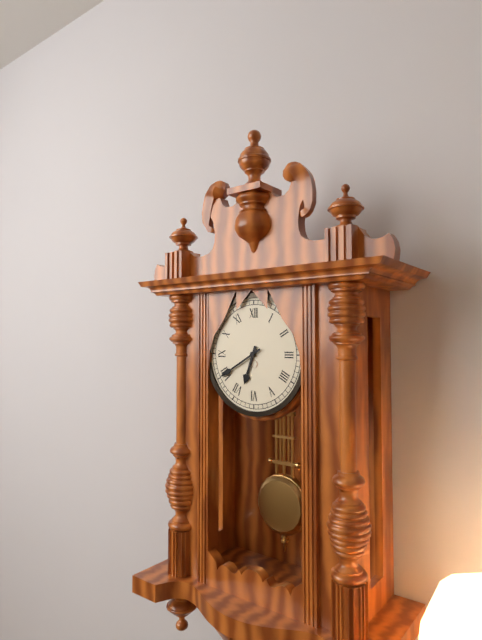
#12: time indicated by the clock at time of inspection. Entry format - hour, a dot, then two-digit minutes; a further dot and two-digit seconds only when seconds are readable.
6.40
